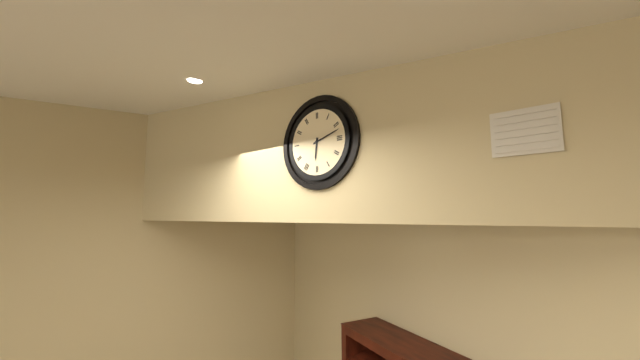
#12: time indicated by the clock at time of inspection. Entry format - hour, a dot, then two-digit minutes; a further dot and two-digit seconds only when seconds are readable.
6.12
